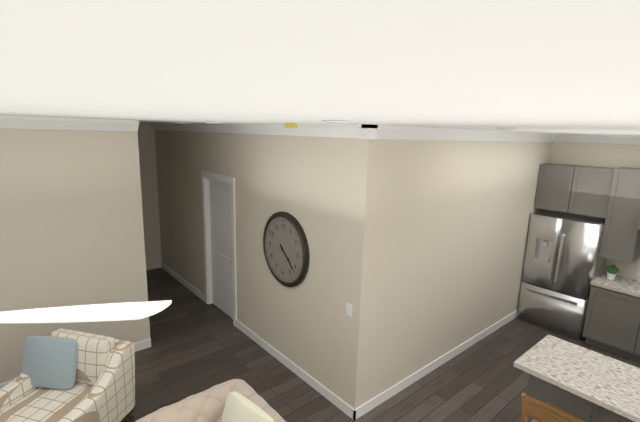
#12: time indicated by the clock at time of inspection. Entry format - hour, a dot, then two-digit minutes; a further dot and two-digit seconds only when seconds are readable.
4.22
